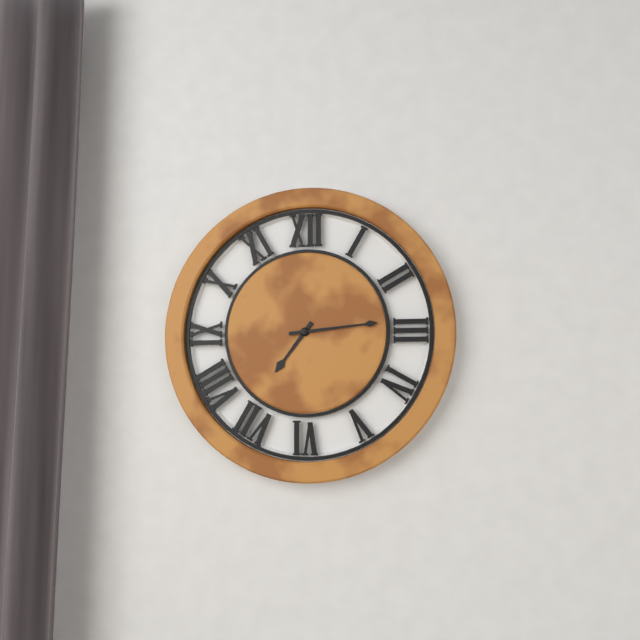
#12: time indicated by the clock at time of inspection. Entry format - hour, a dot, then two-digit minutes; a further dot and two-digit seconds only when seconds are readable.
7.14
